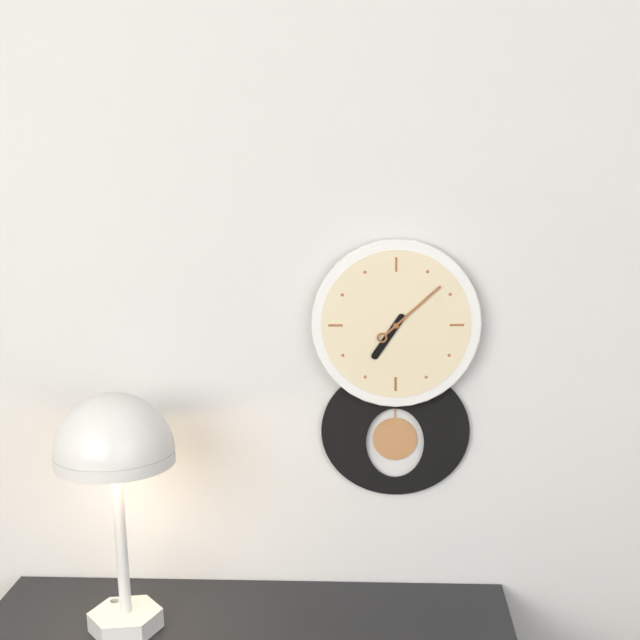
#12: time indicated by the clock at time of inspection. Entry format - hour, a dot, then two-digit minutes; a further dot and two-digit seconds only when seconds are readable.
7.08
